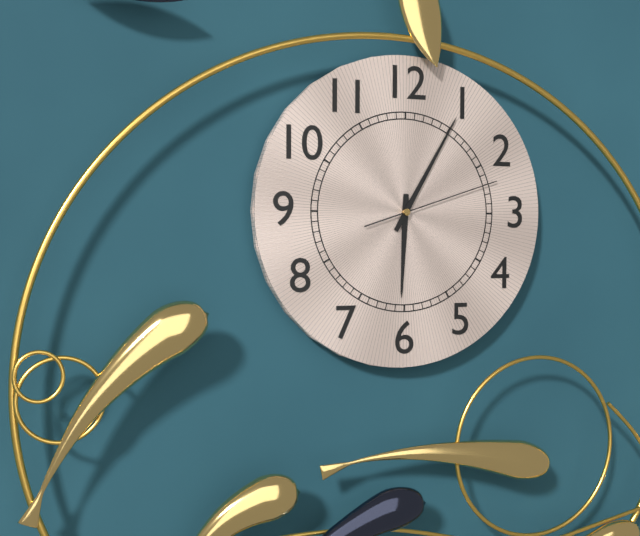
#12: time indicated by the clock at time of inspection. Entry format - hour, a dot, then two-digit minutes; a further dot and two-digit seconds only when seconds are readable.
6.05.12
